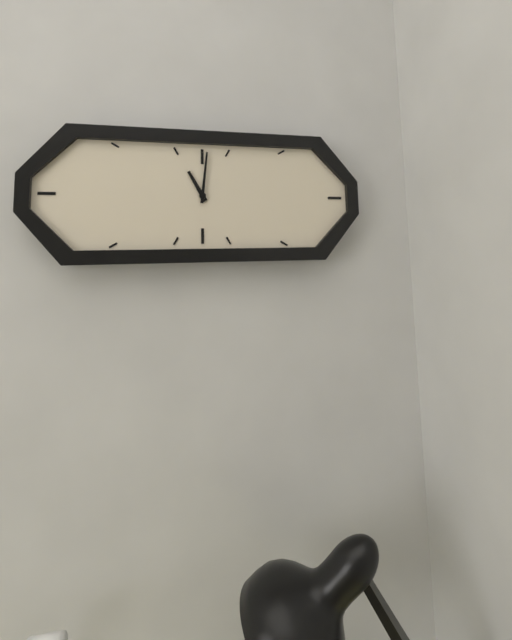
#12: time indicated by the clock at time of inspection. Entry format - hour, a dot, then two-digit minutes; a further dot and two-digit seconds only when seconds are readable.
11.01
